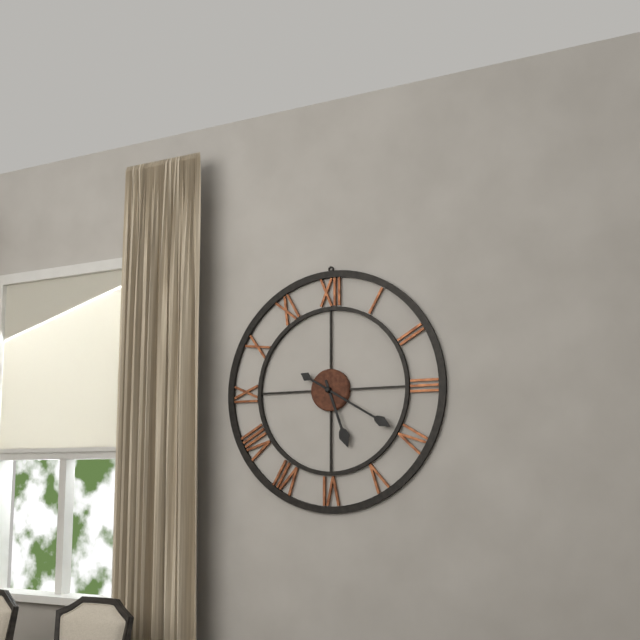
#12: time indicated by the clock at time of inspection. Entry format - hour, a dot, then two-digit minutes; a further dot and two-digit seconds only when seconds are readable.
5.20
